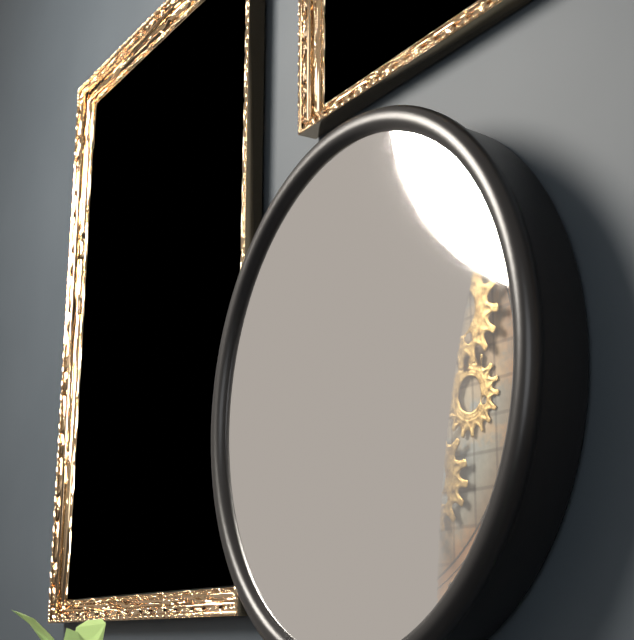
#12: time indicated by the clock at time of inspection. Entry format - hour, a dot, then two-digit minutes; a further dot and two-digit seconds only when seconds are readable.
9.25
